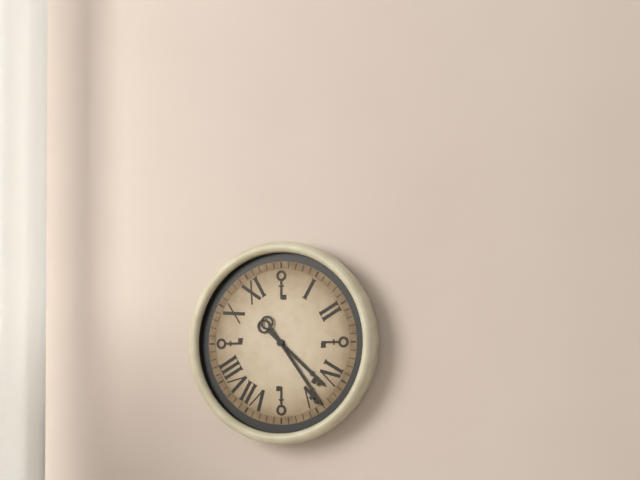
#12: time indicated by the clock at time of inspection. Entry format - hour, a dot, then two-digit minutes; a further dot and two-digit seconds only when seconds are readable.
4.24
